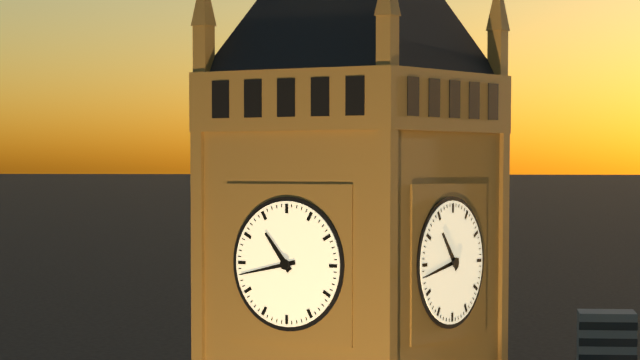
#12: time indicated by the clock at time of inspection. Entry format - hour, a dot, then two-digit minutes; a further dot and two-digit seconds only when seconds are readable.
10.43
